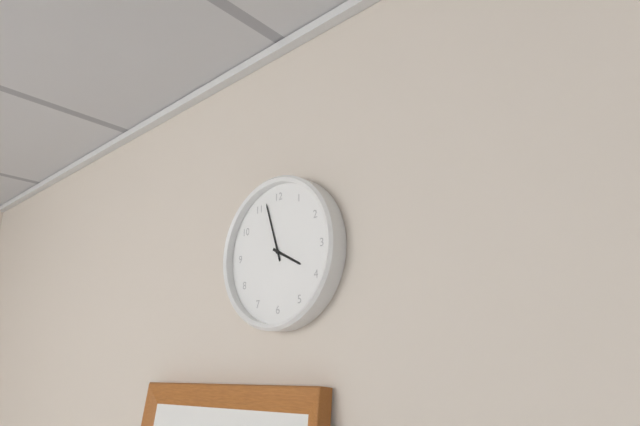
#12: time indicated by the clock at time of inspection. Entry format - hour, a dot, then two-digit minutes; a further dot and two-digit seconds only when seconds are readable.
3.57
